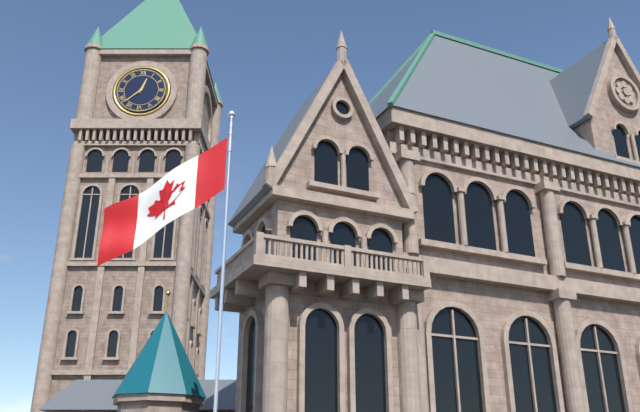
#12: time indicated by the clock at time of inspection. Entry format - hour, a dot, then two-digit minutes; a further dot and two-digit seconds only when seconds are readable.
12.38
